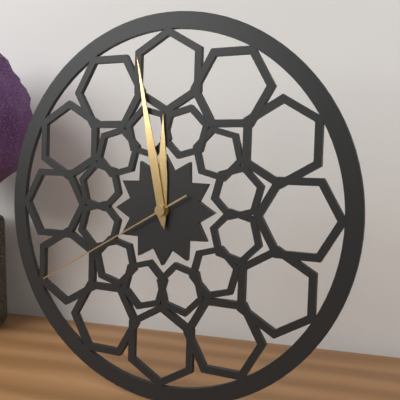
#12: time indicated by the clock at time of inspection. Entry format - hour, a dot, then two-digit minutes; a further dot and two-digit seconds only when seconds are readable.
11.58.40
